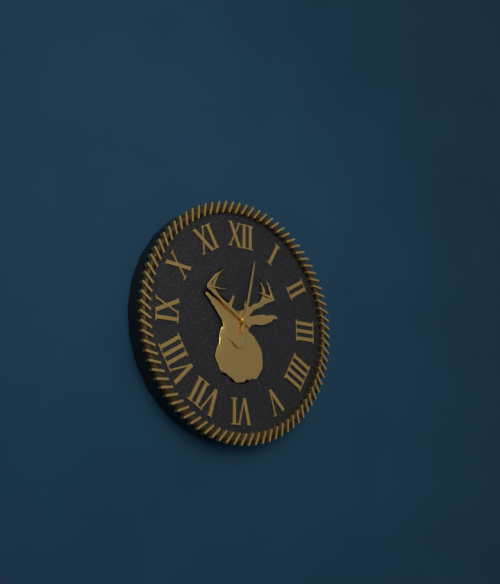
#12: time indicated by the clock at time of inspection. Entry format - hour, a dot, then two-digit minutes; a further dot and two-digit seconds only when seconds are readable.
10.02
